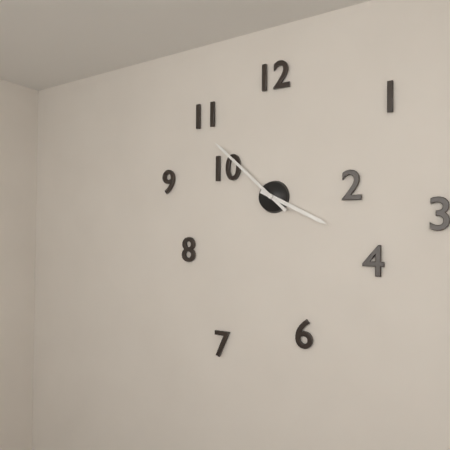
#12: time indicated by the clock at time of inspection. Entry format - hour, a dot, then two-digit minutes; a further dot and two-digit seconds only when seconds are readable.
3.52
